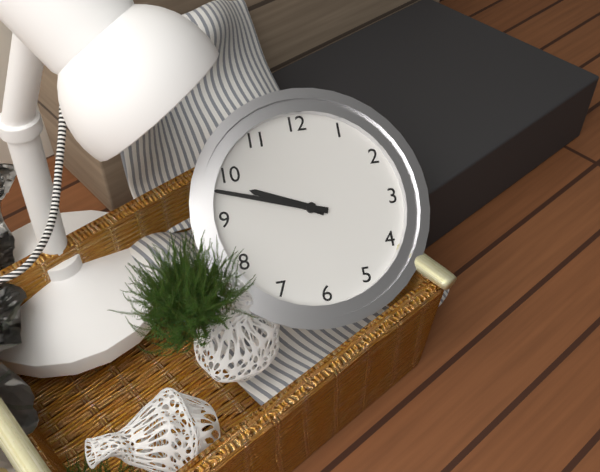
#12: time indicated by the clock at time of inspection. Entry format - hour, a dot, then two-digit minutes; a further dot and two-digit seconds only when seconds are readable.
9.48
